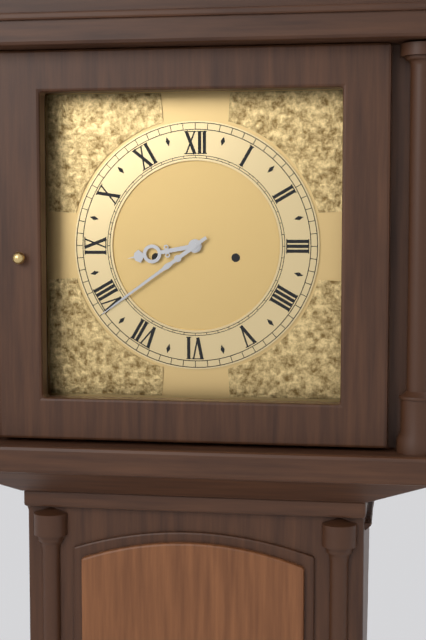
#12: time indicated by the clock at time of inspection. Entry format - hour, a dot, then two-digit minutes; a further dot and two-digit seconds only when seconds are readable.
8.39
